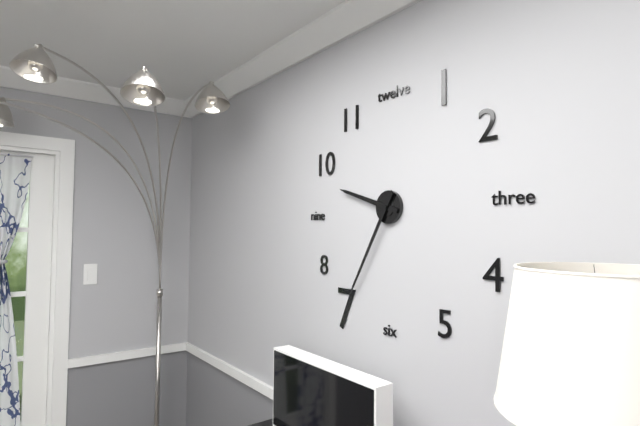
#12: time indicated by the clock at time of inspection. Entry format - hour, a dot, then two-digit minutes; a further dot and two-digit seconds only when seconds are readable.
9.35
